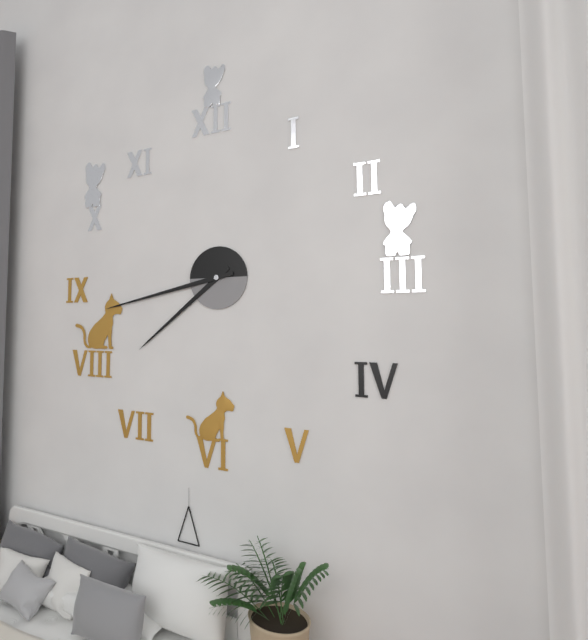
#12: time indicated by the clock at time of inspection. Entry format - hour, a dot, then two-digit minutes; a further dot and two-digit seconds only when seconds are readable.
7.43
